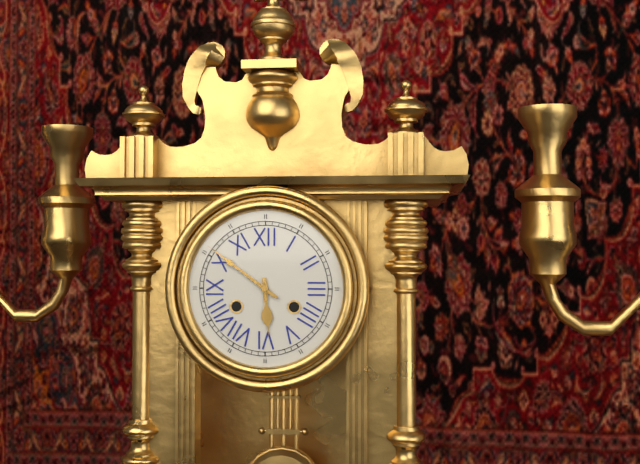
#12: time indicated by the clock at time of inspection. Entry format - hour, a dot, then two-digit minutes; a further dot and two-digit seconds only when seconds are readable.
5.51
